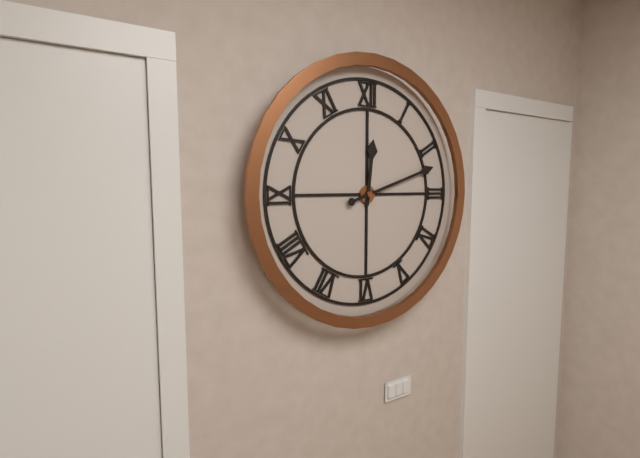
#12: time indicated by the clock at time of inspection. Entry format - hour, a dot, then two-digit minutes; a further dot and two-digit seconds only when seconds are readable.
12.12
